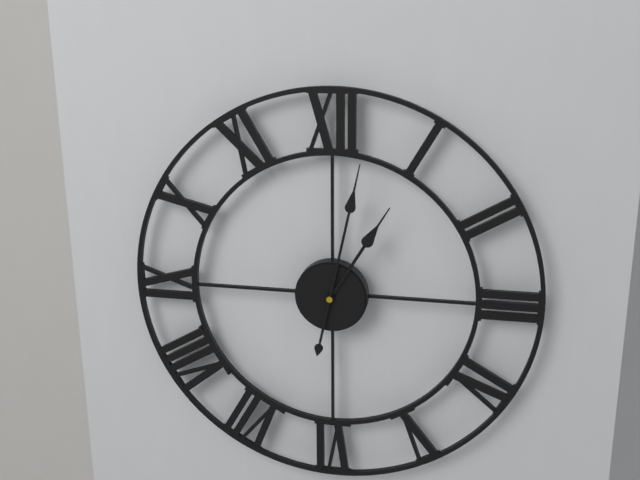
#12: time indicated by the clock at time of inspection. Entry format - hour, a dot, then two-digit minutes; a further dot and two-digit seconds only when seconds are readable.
1.02
